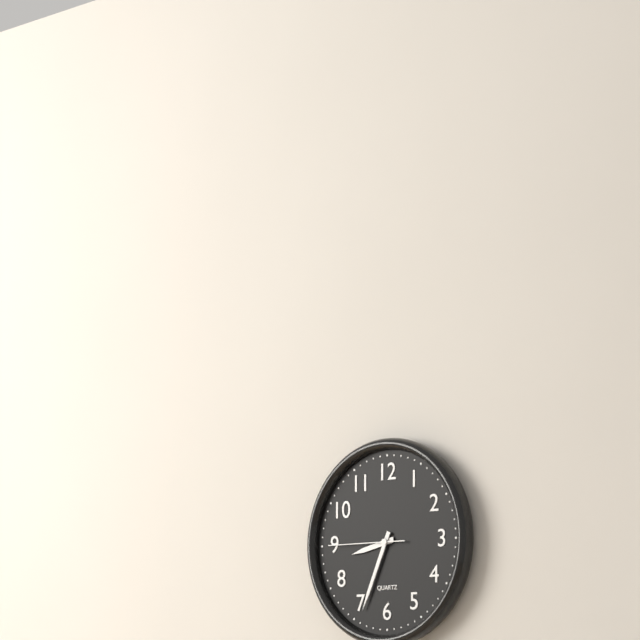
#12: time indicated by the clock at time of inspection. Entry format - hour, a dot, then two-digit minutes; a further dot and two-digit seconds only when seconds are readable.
8.34.45
